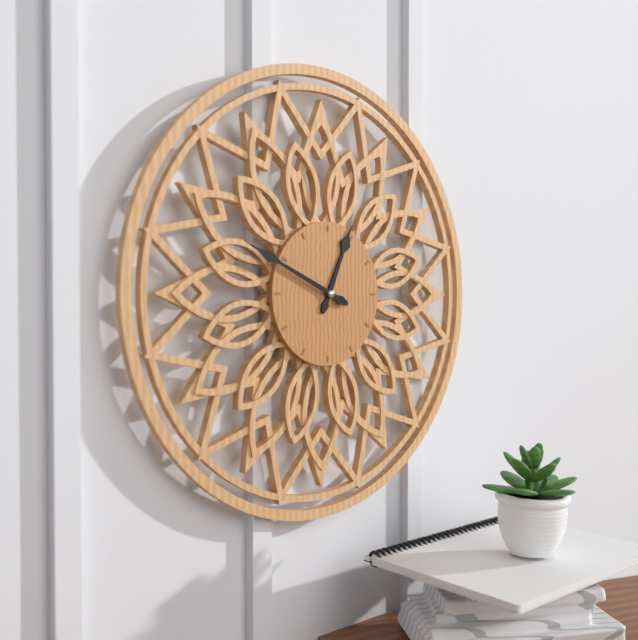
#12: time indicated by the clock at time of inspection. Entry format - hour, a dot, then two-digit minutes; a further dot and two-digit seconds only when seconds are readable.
12.49
